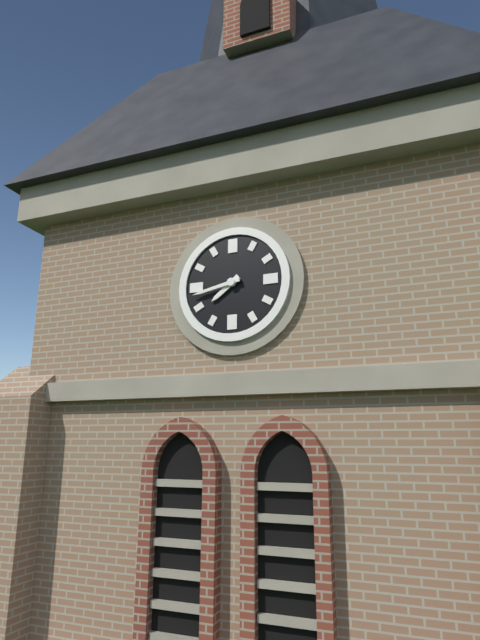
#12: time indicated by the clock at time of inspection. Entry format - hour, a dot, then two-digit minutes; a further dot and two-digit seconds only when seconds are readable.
7.43
